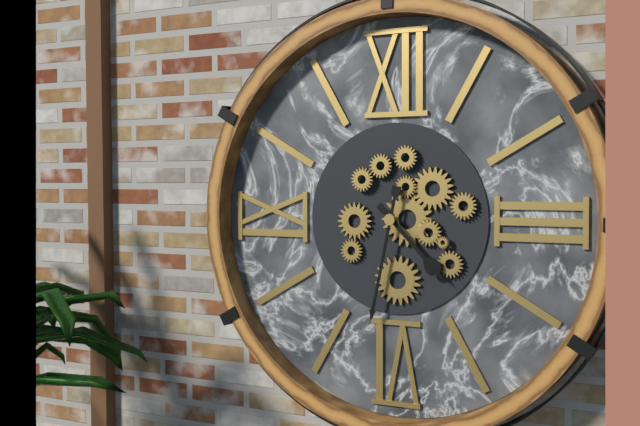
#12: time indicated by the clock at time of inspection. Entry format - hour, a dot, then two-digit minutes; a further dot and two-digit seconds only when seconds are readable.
4.32
